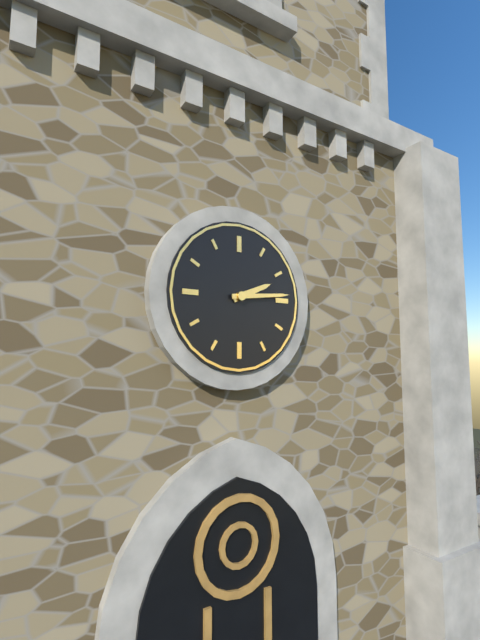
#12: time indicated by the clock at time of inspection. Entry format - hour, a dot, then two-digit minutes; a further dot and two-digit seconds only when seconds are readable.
2.14
